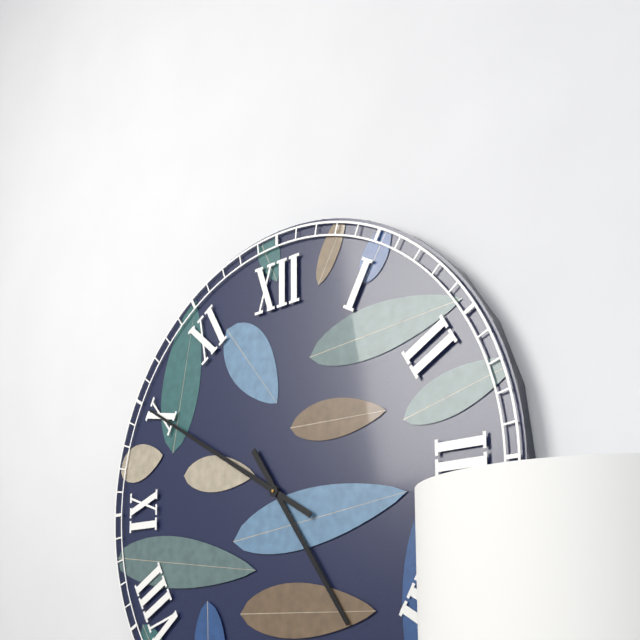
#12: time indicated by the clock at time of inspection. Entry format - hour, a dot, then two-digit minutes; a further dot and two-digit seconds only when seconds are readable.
4.50
